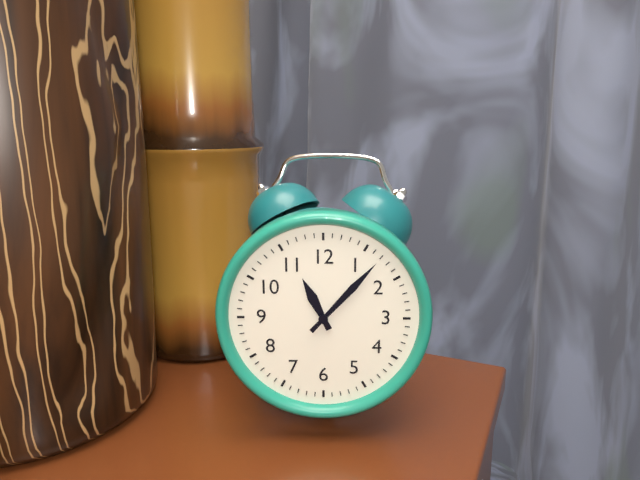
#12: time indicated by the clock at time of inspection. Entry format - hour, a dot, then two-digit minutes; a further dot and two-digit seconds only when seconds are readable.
11.07
